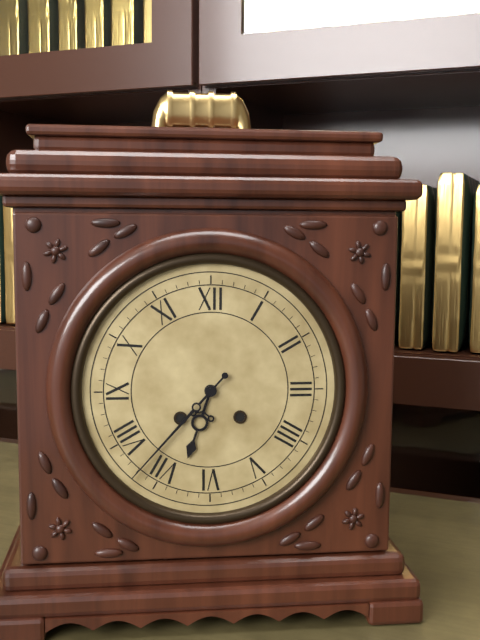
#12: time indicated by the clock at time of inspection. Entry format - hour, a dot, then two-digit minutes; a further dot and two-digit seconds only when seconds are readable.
6.37
